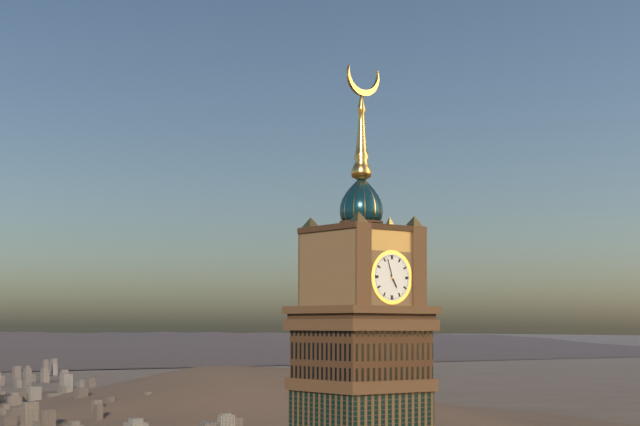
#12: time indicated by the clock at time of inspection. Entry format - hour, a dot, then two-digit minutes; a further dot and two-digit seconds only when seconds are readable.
4.57
